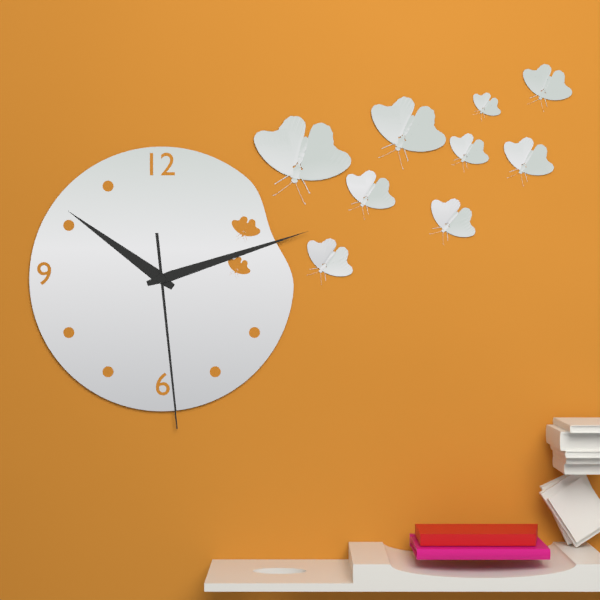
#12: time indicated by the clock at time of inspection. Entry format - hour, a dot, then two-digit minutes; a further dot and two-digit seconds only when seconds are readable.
10.12.29
